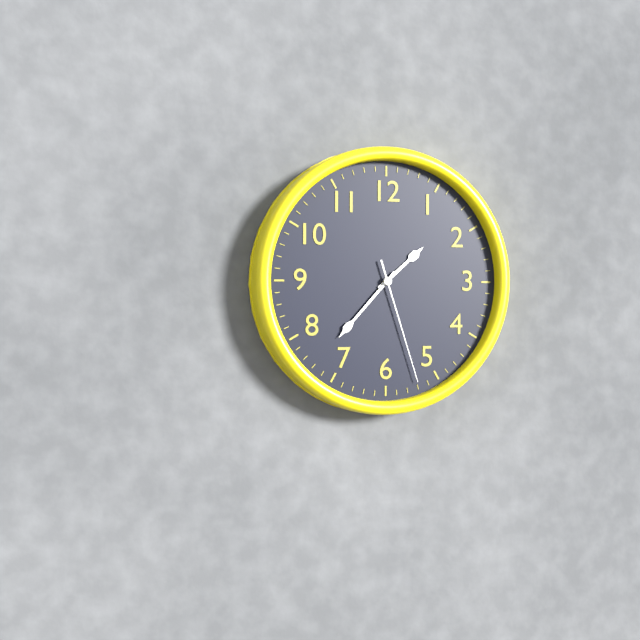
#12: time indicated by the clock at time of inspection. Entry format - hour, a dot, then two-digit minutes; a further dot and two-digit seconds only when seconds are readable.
1.37.27
